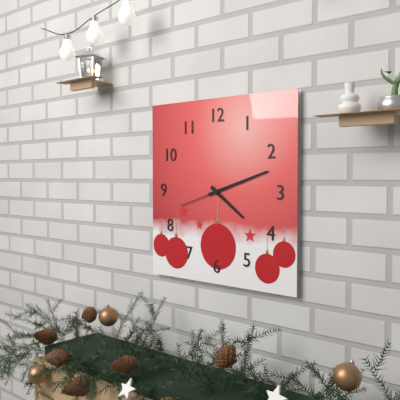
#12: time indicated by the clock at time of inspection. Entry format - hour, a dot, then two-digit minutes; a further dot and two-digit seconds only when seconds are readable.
4.12
